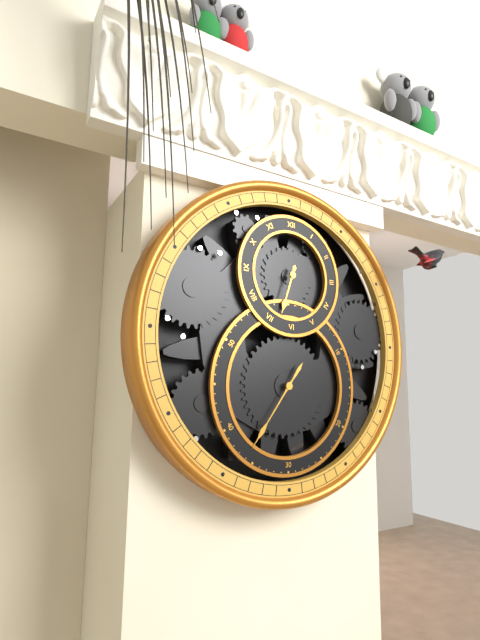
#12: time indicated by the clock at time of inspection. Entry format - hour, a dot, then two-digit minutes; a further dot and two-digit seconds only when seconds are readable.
6.36
